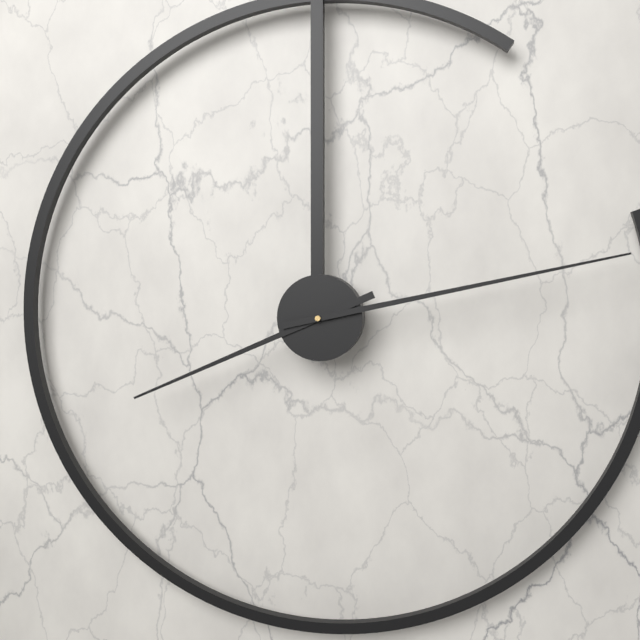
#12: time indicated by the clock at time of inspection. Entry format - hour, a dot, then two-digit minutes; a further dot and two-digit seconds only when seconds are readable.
8.13
